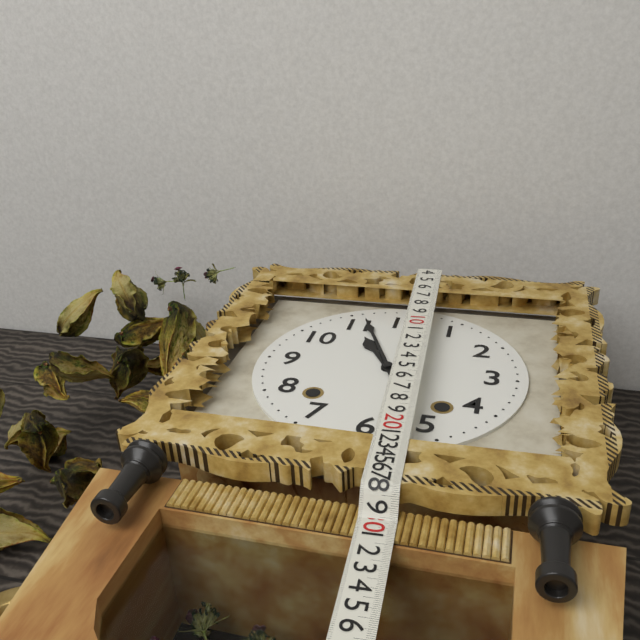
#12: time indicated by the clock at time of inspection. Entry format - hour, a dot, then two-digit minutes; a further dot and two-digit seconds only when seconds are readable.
10.56
